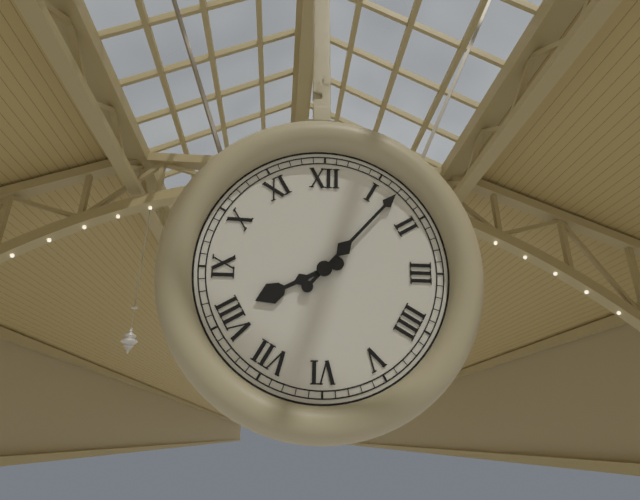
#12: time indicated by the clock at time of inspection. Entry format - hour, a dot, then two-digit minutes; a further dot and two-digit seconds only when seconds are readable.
8.07
